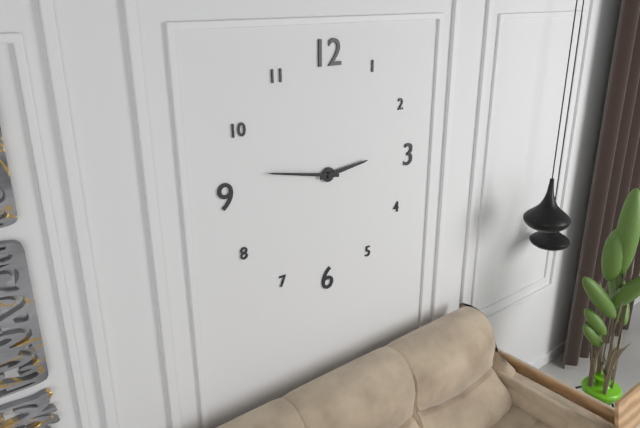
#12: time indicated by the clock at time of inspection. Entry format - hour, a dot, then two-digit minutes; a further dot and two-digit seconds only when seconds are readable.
2.47
